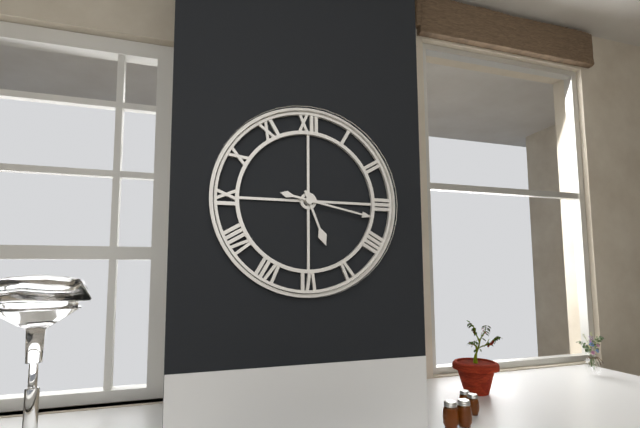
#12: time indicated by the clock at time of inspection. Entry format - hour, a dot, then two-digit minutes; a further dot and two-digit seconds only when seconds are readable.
5.17
